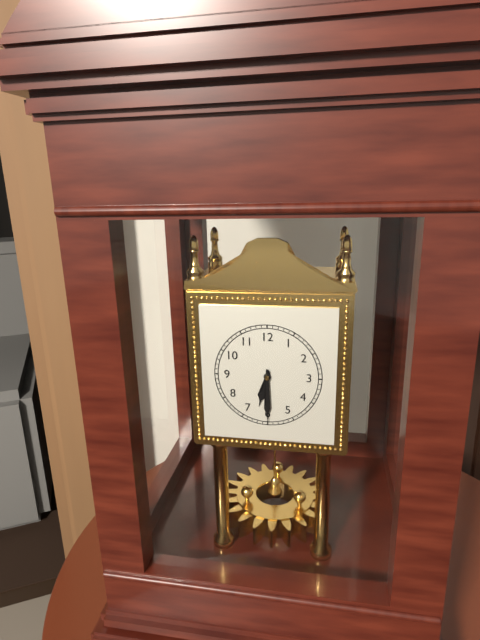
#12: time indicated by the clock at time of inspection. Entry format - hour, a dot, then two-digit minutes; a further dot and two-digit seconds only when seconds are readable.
6.30
